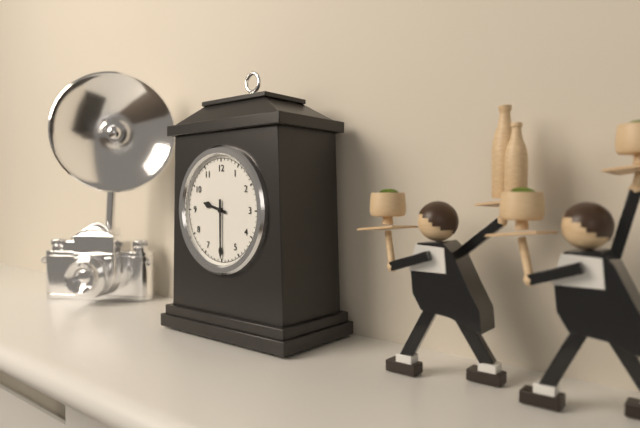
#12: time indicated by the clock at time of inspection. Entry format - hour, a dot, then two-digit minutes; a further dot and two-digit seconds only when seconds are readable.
9.30
